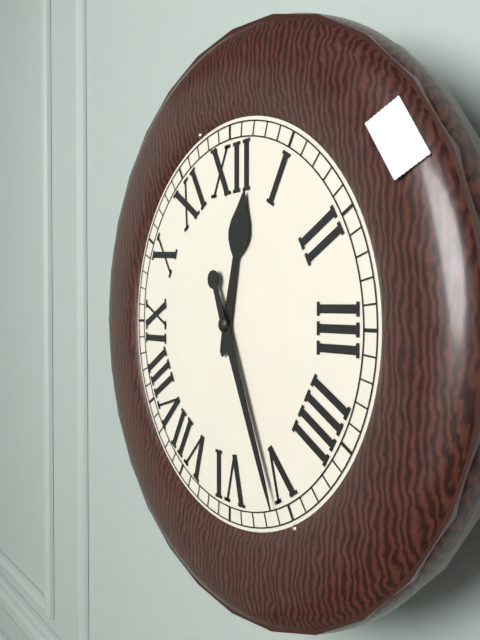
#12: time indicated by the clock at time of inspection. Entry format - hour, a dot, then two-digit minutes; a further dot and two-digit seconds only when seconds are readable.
12.26
